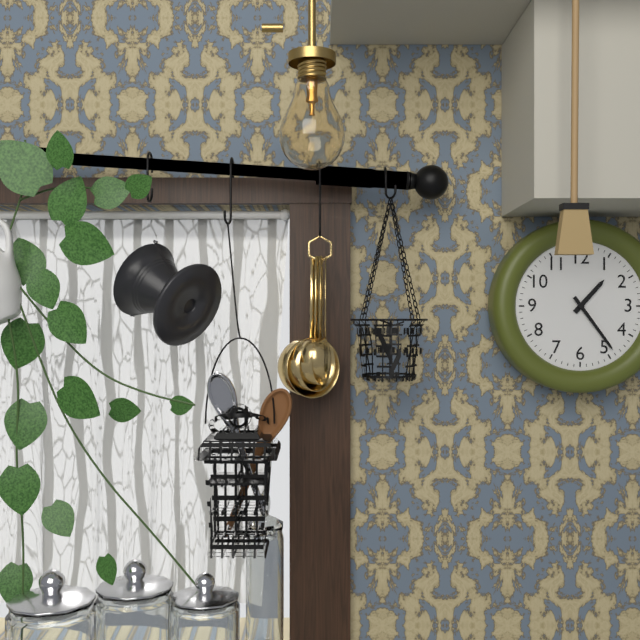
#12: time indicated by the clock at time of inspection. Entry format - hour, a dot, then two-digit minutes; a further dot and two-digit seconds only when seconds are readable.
1.24
